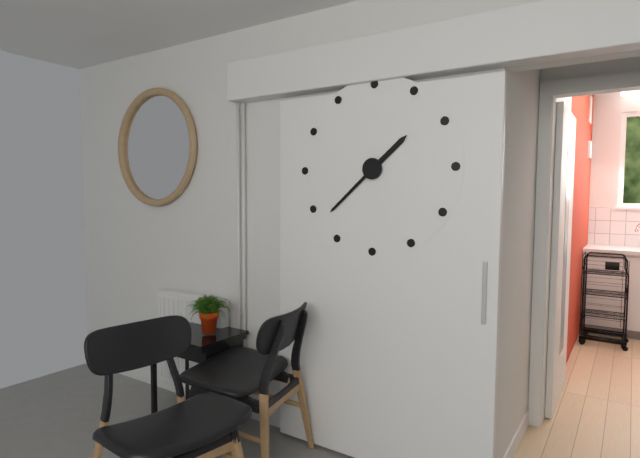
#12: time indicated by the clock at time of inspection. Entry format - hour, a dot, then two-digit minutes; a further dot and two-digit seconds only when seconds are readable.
1.38
